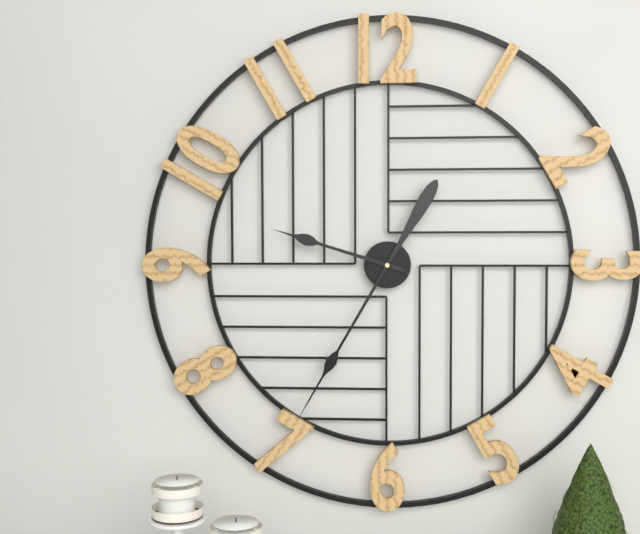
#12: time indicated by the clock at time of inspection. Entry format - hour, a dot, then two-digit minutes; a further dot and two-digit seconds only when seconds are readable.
9.35
